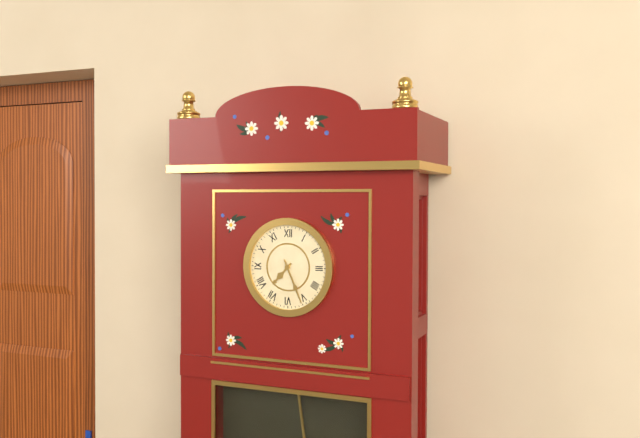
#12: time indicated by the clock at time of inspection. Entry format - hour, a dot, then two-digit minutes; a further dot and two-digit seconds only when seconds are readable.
7.26
